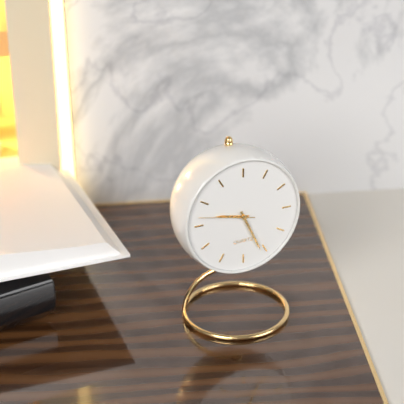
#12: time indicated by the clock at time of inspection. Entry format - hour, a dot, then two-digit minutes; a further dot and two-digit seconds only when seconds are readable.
9.26.47
